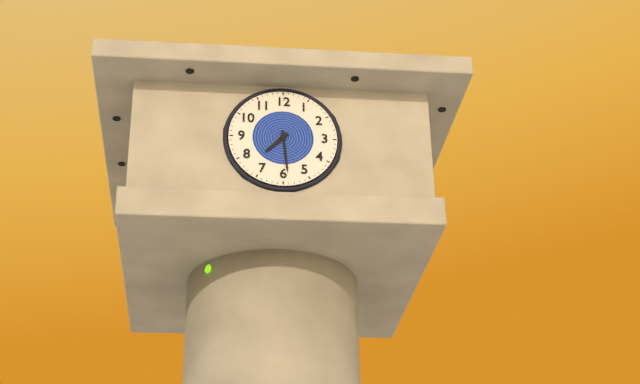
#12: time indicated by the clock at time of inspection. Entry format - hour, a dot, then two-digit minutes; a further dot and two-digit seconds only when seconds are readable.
7.29
